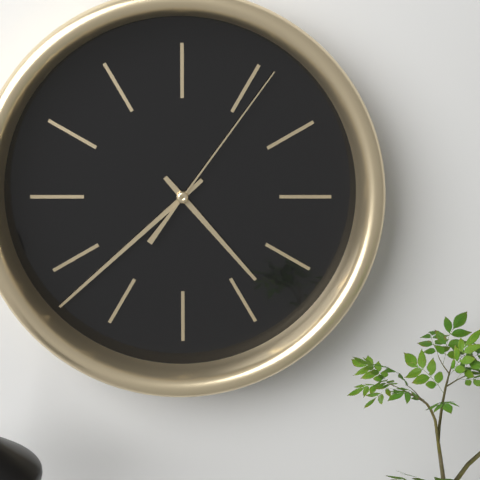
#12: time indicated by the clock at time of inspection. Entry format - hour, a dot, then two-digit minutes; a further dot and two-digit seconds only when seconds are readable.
4.38.06
